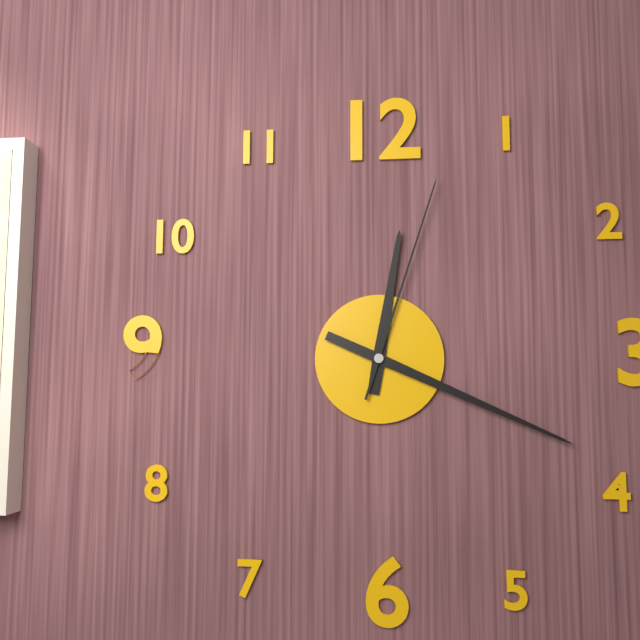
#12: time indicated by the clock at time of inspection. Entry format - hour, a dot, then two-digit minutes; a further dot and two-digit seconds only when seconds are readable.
12.19.03
